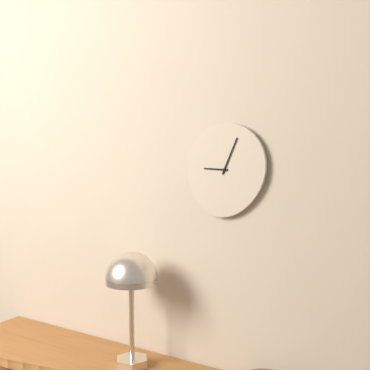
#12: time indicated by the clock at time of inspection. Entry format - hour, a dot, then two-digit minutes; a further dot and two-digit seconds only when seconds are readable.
9.04
